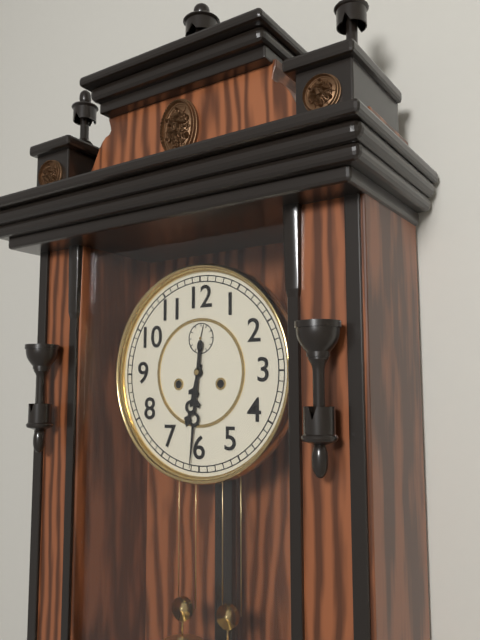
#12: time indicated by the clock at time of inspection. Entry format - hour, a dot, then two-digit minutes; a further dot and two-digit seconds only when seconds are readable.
6.31
